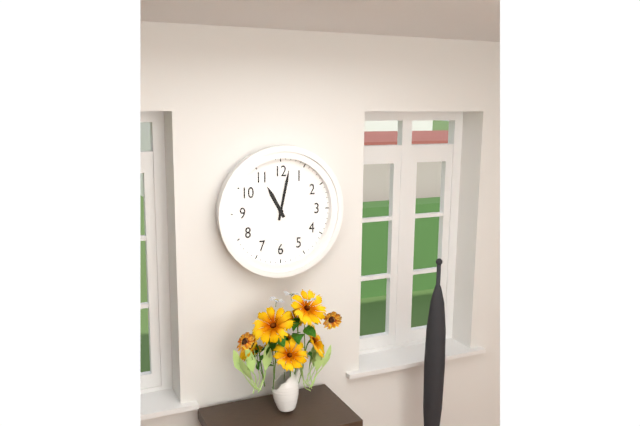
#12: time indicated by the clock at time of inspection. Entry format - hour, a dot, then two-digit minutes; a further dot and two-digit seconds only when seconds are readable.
11.02
